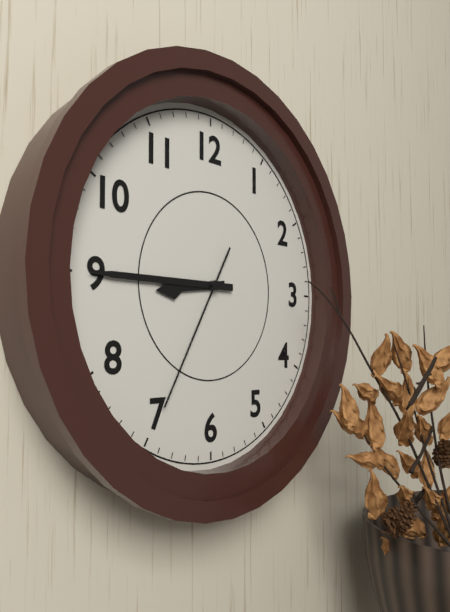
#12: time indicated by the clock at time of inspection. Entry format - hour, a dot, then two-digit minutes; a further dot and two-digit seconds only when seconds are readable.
8.45.35
